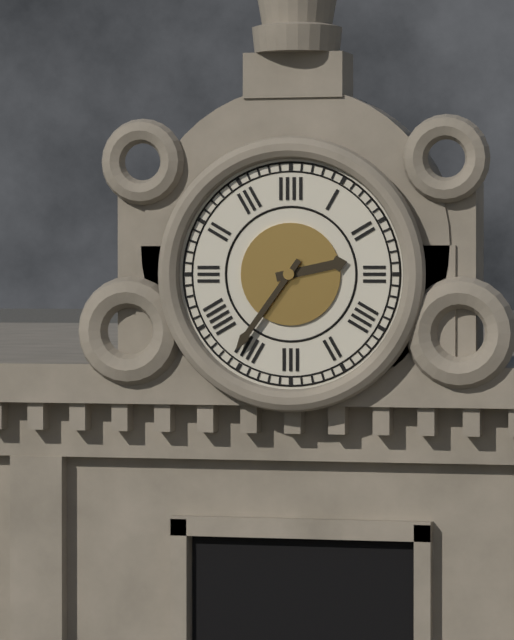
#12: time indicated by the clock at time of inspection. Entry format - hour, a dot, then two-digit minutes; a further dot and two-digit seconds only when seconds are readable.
2.36
